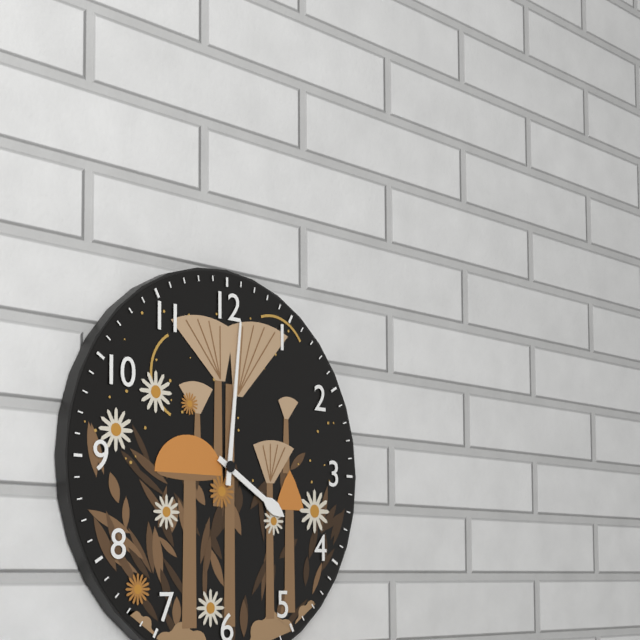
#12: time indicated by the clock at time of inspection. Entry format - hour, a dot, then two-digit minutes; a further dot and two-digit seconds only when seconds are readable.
4.01
